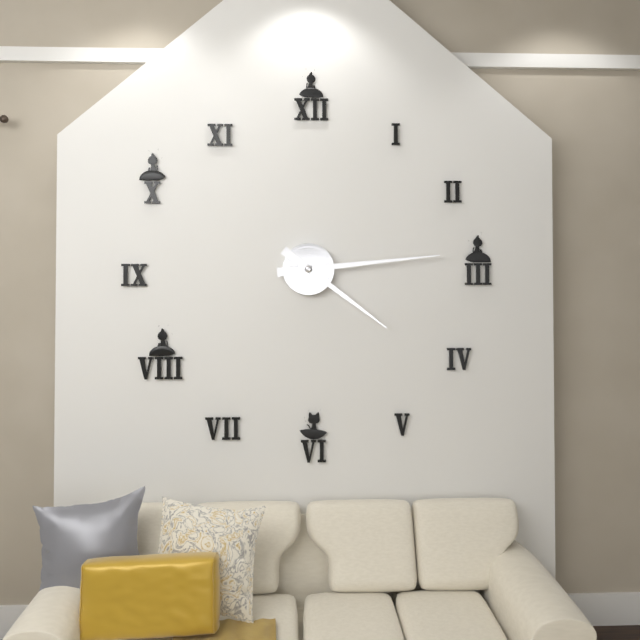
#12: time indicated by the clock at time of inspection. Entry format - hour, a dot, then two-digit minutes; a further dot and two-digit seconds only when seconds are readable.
4.14
